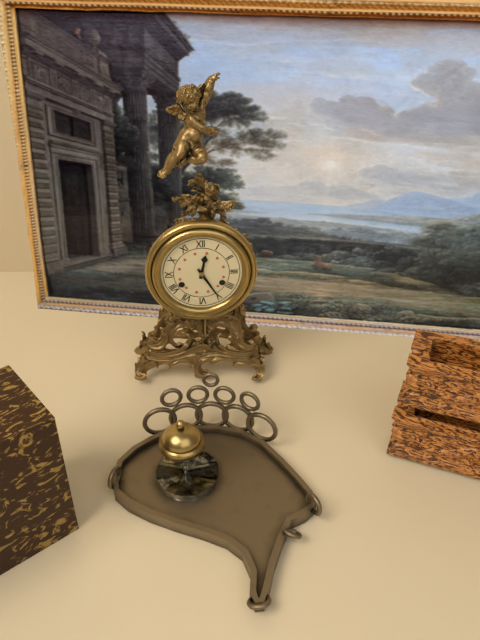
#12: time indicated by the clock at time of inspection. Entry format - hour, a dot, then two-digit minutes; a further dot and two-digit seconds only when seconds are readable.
12.25
